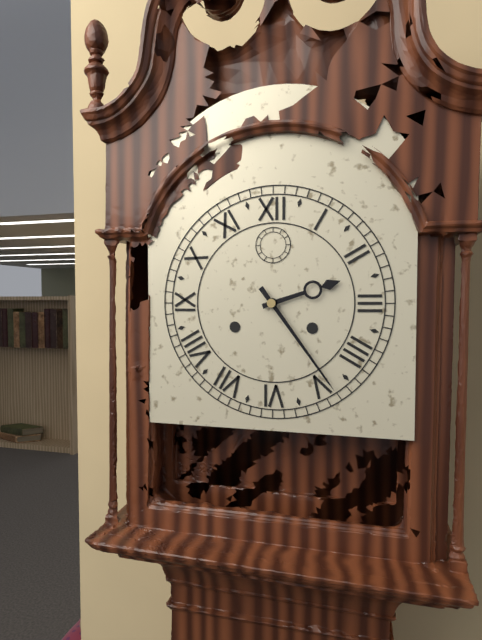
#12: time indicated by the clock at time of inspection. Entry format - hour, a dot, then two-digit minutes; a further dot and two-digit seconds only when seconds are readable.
2.24
